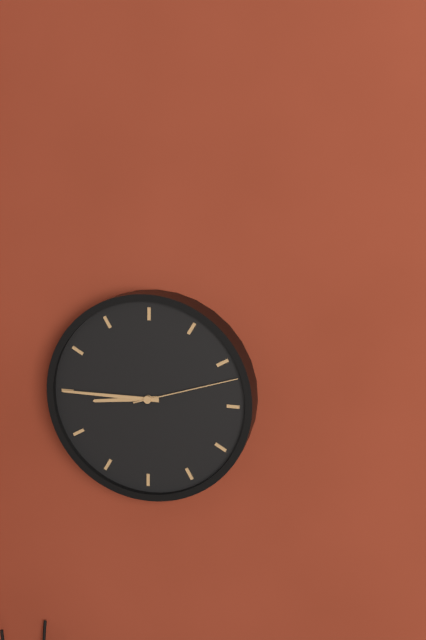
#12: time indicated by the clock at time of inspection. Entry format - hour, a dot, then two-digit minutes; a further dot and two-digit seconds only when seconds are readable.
8.45.12
